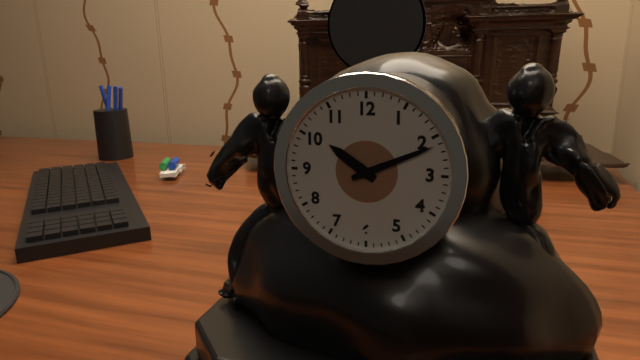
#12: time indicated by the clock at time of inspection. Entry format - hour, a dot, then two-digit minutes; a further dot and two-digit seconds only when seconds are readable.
10.11
